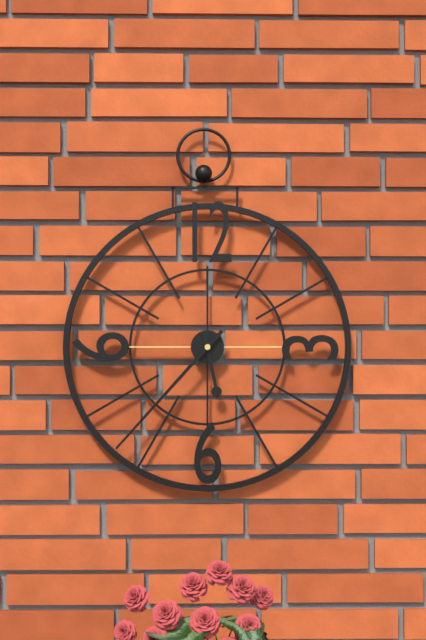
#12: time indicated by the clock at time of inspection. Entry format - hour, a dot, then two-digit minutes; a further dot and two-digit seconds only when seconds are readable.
5.37
